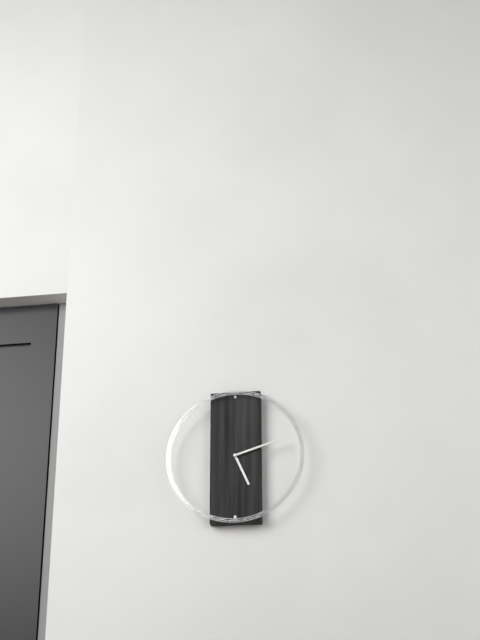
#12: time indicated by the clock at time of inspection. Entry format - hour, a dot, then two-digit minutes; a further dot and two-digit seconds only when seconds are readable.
5.12
